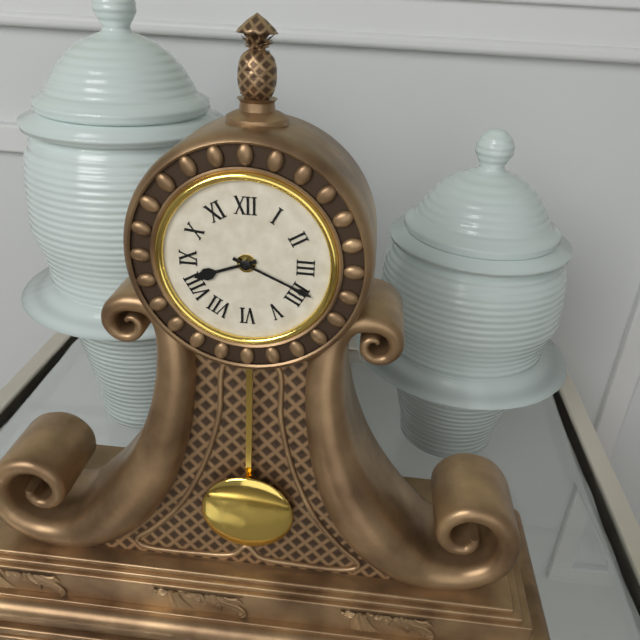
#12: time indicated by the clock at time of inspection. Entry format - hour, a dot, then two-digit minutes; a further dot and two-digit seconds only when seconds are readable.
8.19
